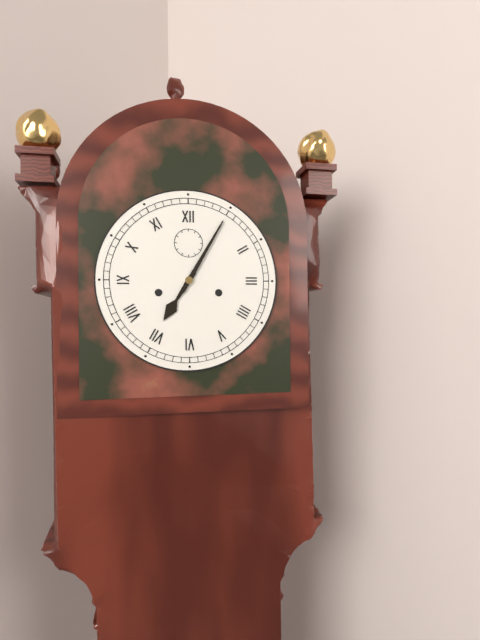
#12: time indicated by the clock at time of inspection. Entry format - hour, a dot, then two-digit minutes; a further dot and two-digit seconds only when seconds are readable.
7.05
